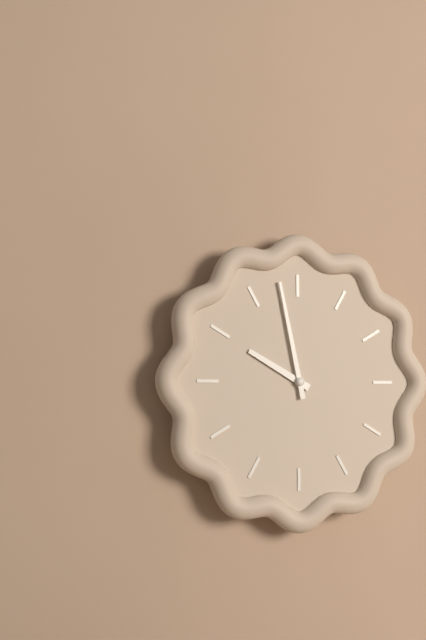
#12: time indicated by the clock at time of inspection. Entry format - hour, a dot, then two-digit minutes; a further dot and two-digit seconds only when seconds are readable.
9.58
